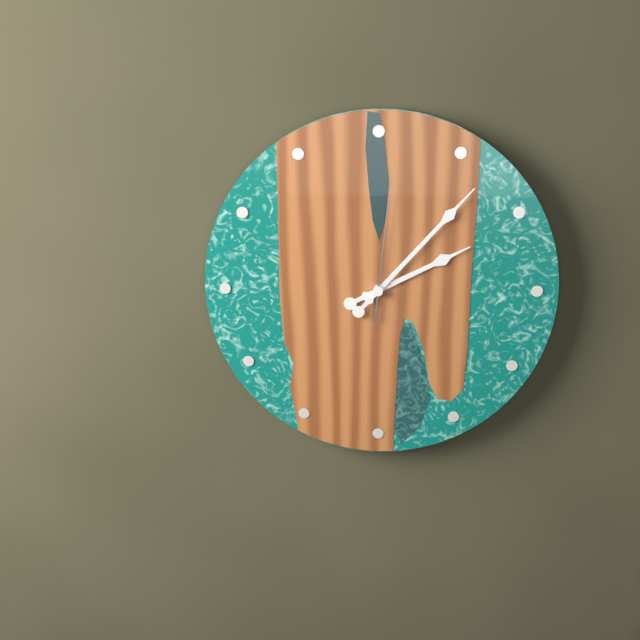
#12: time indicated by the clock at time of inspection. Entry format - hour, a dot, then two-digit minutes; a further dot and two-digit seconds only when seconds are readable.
2.07.01
